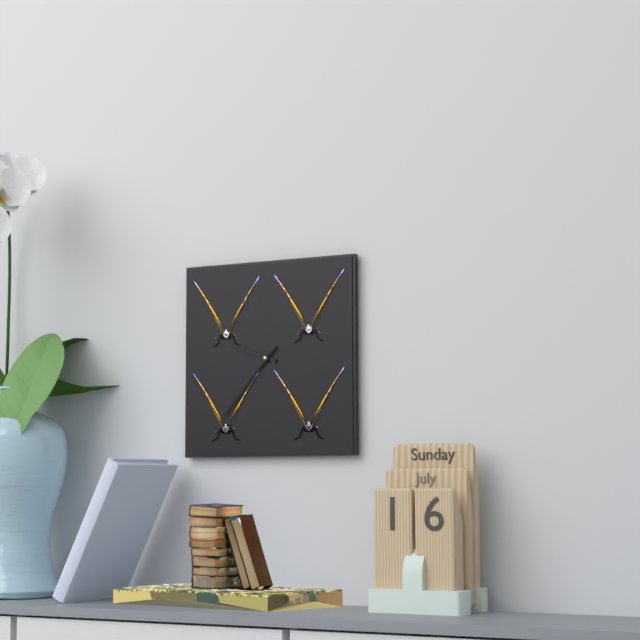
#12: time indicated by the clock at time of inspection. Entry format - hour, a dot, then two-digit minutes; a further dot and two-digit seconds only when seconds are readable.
9.37
